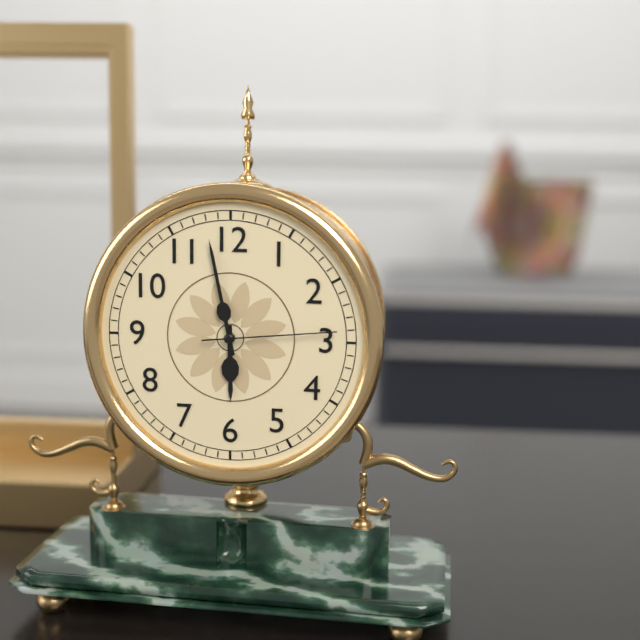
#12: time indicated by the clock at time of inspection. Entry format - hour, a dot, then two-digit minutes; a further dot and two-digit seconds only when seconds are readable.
5.58.14
